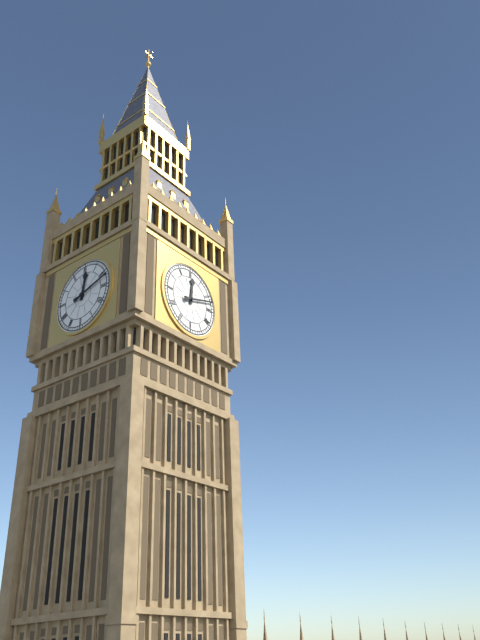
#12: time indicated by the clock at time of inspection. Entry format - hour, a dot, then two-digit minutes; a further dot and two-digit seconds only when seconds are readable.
12.12
